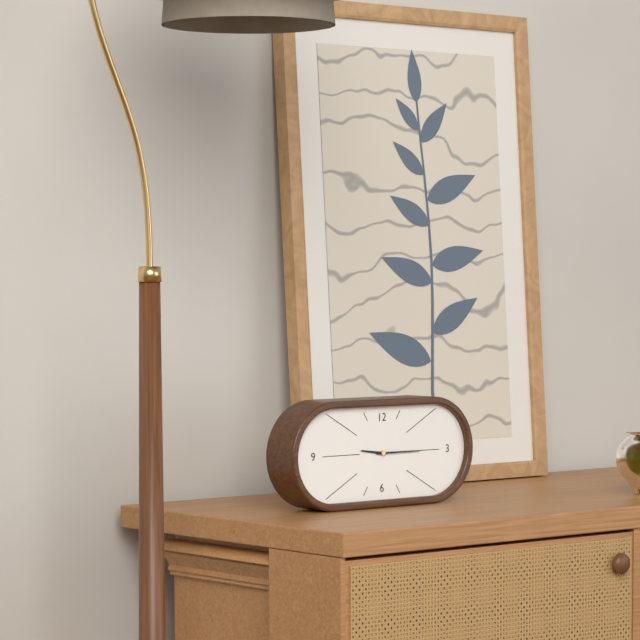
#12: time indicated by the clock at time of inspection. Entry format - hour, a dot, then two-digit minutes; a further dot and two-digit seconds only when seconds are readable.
9.15
